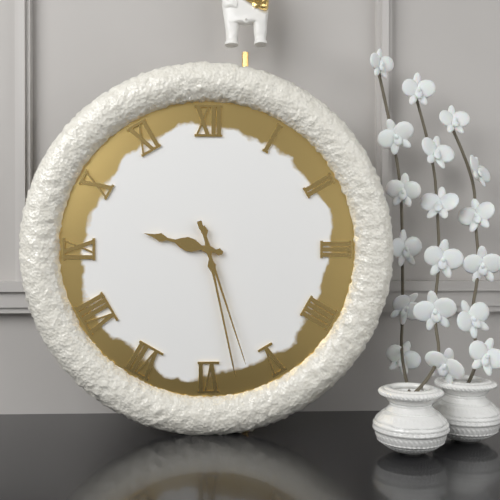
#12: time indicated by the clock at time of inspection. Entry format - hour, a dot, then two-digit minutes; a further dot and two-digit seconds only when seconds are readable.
9.28.27
